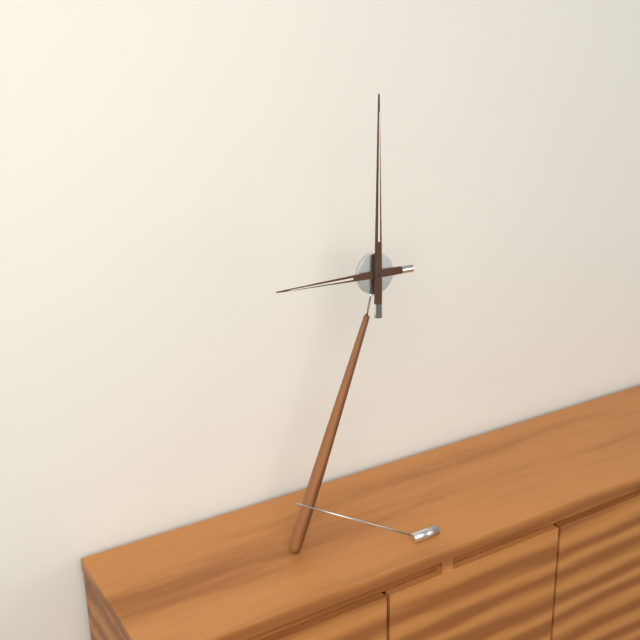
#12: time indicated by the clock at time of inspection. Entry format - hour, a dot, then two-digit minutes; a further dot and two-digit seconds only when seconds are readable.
9.00
